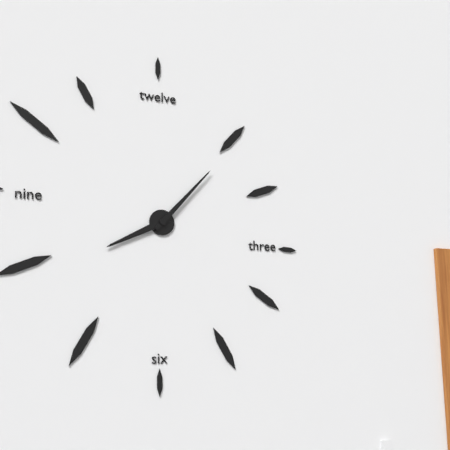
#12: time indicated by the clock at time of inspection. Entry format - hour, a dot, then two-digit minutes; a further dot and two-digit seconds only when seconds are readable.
8.07
